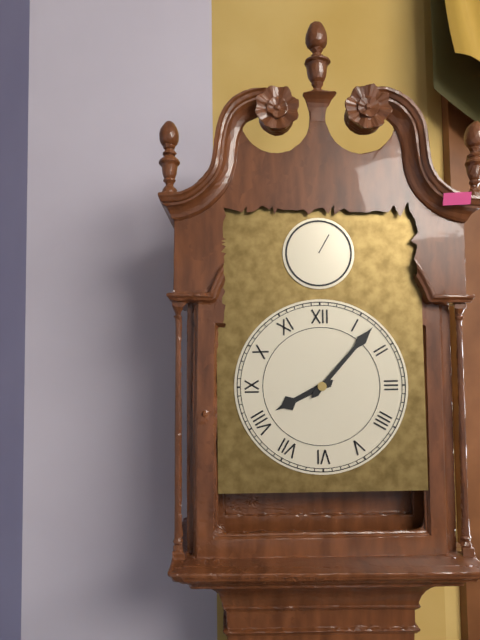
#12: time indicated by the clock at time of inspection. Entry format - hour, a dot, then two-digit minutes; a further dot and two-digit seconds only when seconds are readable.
8.07
